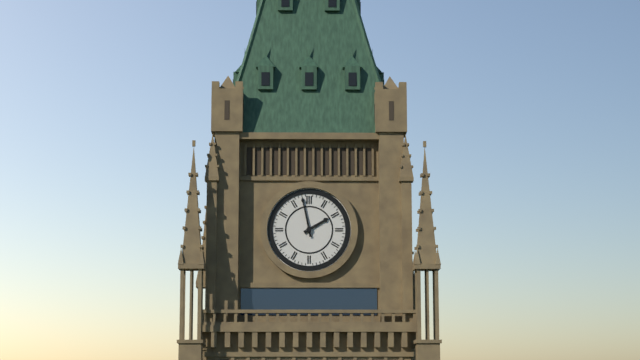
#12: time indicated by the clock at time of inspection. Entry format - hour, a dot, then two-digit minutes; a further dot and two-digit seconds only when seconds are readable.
1.58
